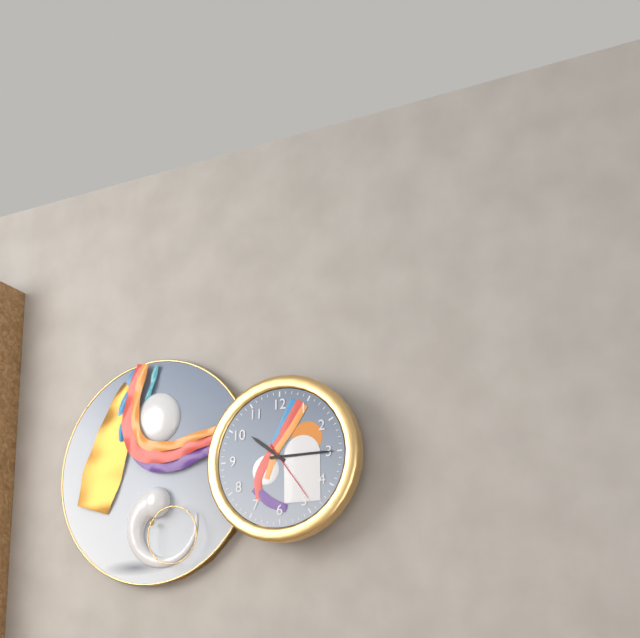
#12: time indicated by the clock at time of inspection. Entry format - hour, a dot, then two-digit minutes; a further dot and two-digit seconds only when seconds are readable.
10.15.24
